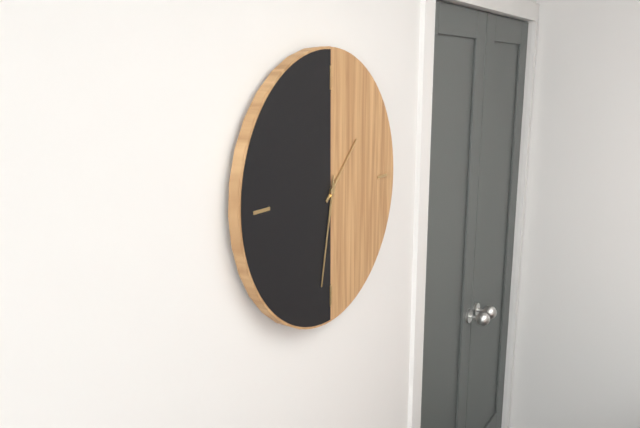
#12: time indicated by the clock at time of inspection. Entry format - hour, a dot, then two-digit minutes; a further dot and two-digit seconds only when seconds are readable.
1.32
